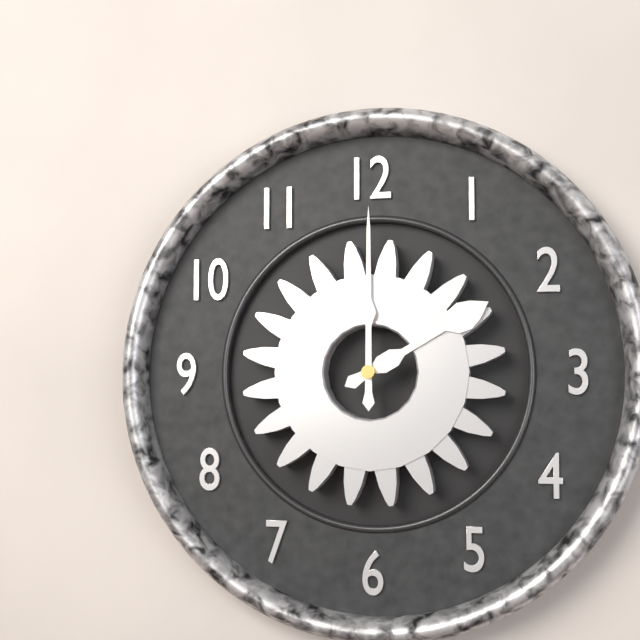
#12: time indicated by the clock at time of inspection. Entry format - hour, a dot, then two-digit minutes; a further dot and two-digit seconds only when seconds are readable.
2.00
